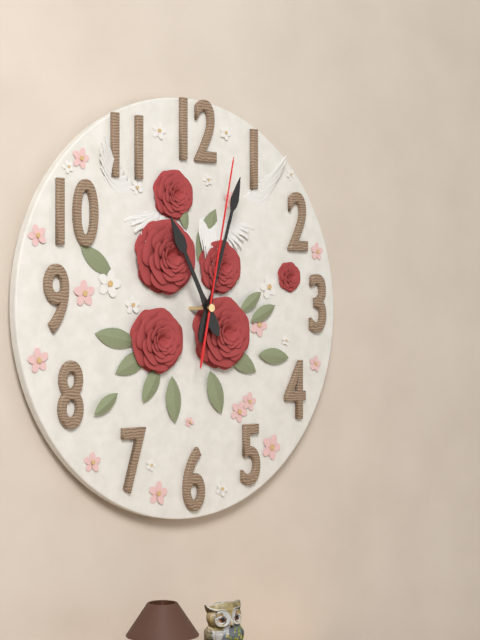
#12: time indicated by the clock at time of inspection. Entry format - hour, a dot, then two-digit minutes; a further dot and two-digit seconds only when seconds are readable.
11.03.02
